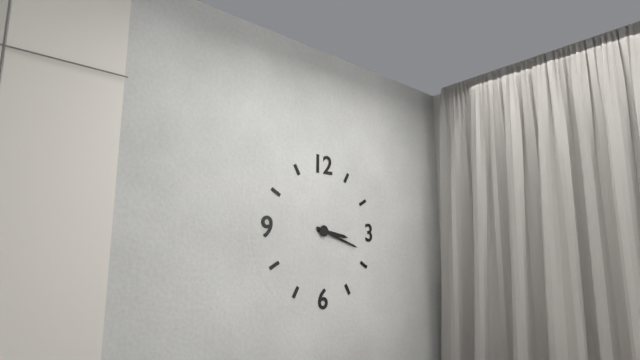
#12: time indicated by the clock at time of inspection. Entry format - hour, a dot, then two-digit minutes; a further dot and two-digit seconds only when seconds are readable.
3.18
